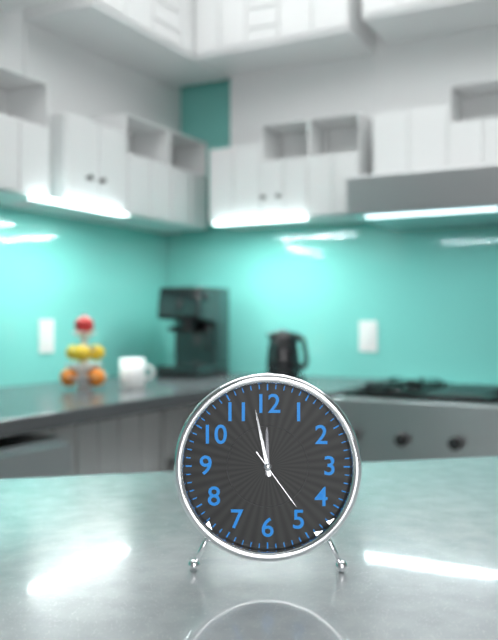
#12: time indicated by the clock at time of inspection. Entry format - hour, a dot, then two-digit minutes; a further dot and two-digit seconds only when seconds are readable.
11.58.24
